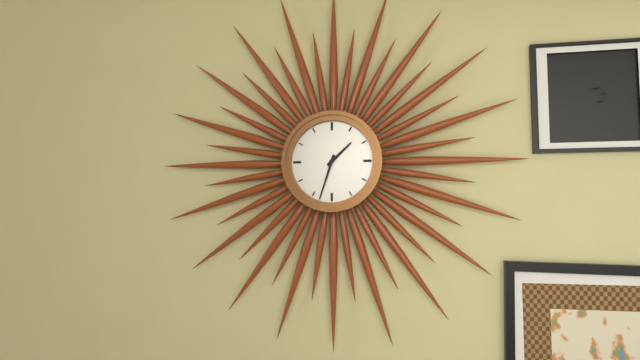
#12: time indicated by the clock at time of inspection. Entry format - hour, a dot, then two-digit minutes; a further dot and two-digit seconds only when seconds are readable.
1.33
